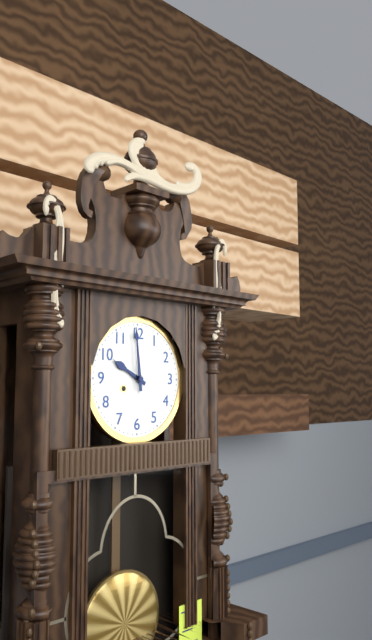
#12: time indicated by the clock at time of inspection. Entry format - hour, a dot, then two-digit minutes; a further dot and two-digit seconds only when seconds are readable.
9.59
